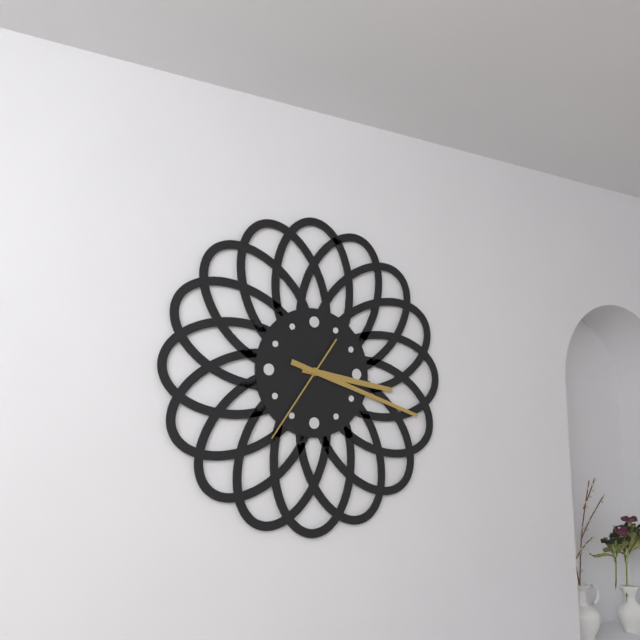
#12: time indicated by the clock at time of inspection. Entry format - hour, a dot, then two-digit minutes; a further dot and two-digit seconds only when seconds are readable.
3.18.36
